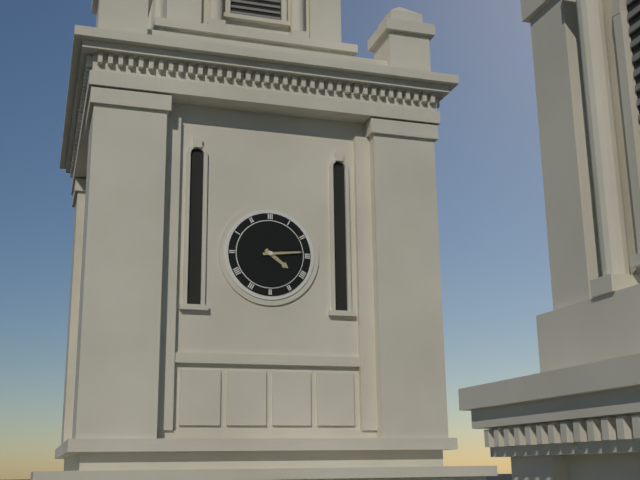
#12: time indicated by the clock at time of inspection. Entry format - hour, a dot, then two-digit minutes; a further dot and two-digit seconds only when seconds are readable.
4.14
